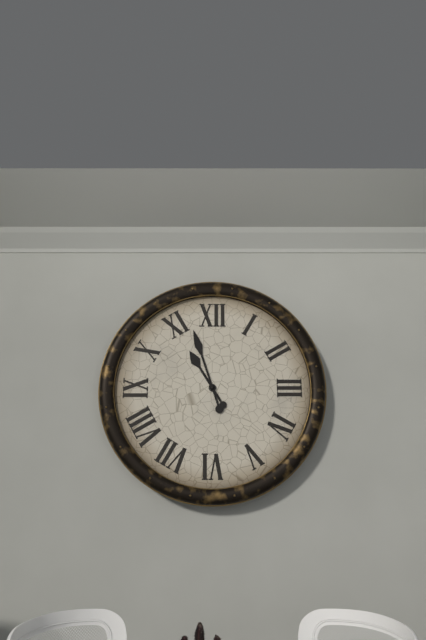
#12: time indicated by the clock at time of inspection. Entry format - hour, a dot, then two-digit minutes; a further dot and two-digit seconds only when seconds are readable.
10.57
